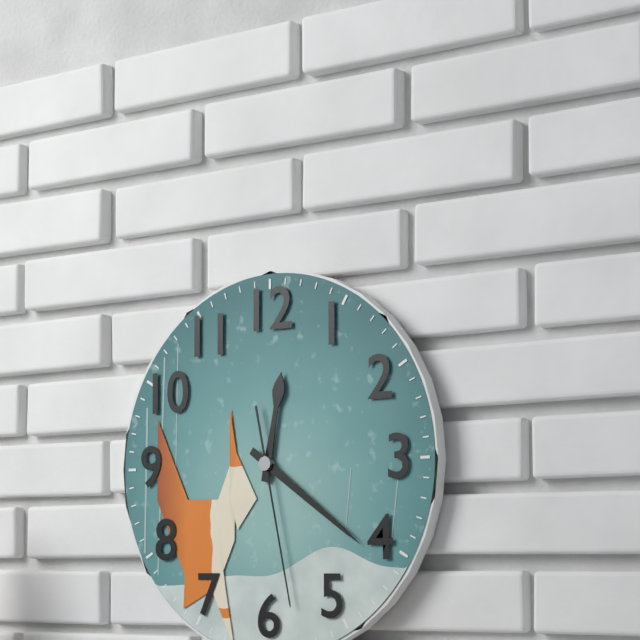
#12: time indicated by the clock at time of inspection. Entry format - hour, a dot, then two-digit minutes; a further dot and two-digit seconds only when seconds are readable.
12.21.28
